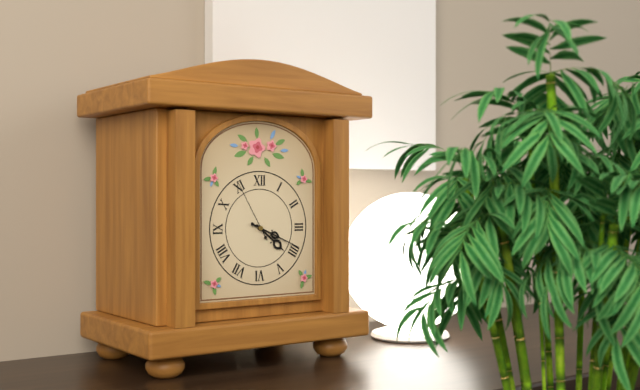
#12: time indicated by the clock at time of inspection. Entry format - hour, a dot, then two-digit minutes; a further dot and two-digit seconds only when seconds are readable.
4.19.55
